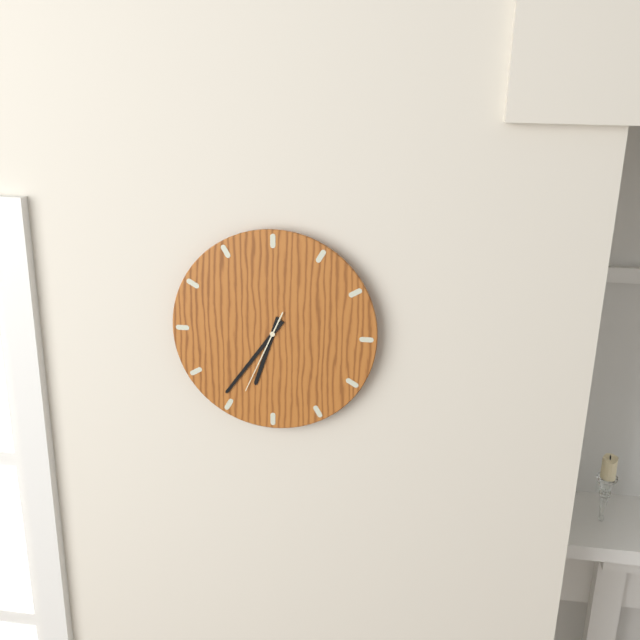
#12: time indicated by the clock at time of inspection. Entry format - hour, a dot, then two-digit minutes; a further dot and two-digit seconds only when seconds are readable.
6.36.34
